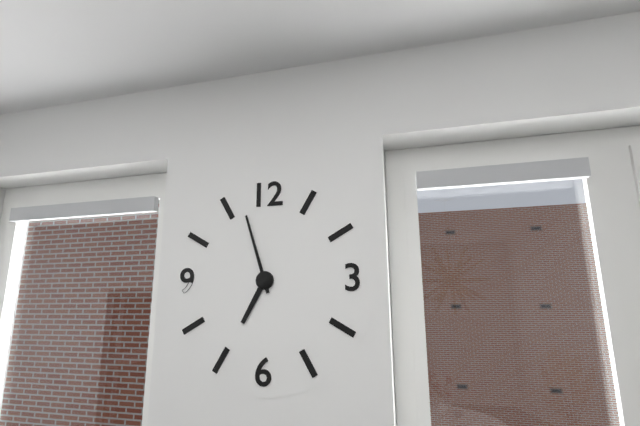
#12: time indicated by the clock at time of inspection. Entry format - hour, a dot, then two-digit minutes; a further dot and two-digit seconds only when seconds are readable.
6.57
